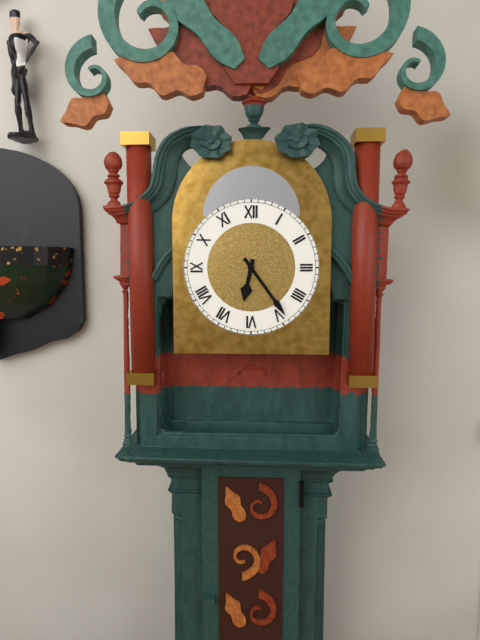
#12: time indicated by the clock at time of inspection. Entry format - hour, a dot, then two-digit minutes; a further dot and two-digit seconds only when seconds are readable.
6.24
